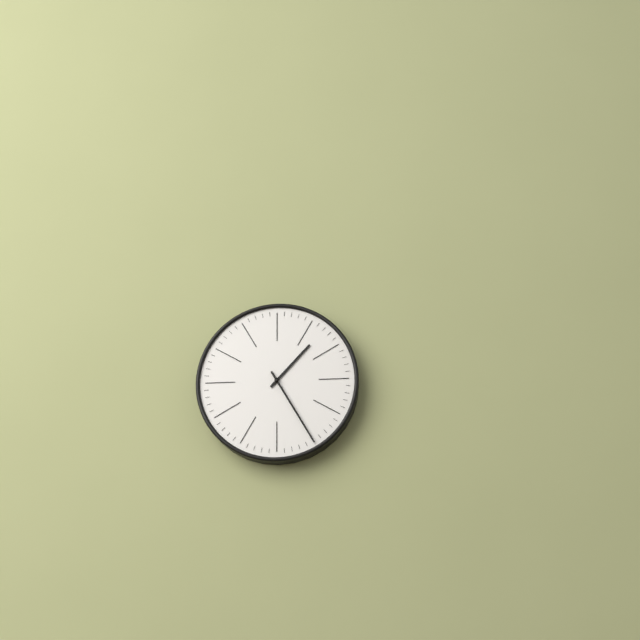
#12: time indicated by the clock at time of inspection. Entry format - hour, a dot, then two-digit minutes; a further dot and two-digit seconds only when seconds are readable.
1.25
